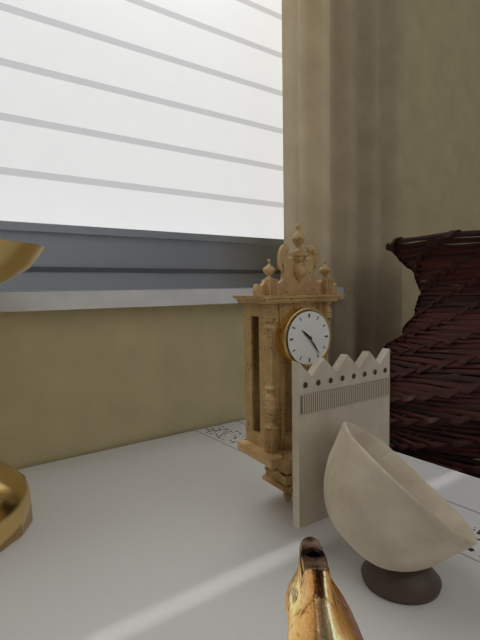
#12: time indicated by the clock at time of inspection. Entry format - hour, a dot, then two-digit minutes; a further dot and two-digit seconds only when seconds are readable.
10.24
